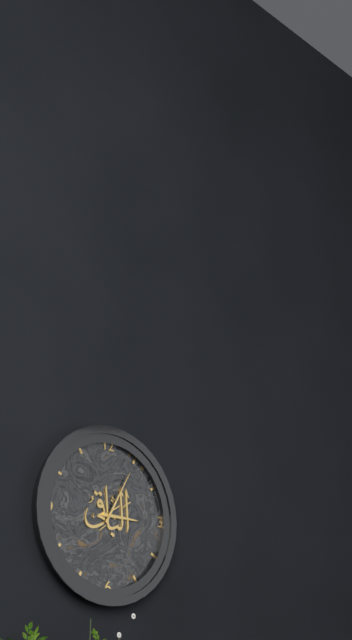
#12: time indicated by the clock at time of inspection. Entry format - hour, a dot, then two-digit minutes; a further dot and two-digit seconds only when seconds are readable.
3.05
